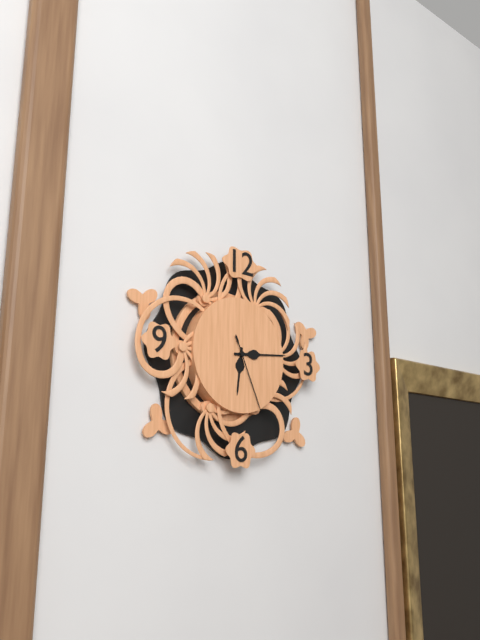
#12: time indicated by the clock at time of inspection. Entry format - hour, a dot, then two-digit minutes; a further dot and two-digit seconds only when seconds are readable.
6.14.26
